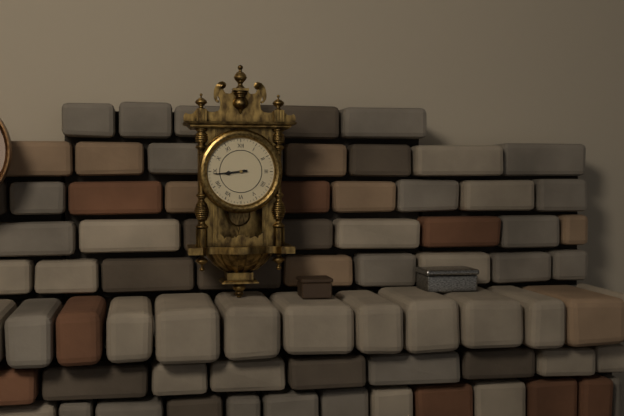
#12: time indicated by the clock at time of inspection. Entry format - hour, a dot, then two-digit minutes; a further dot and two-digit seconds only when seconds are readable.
8.44
